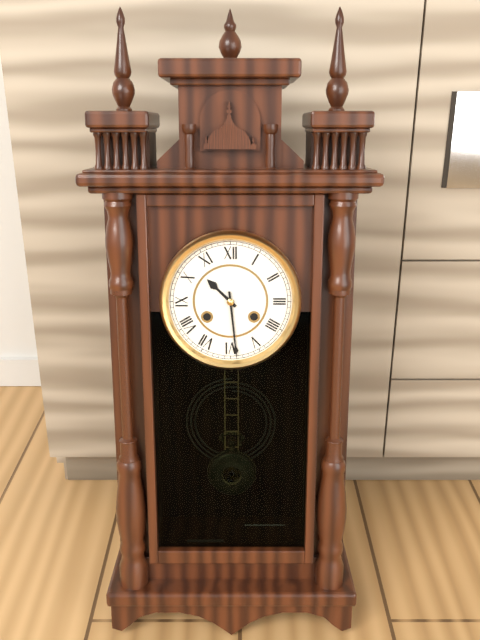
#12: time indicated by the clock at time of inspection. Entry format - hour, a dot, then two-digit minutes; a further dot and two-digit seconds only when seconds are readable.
10.29
